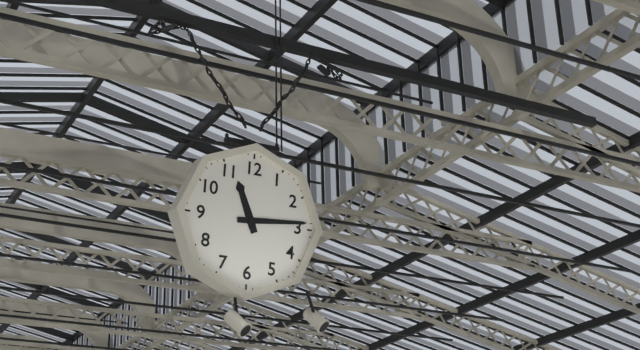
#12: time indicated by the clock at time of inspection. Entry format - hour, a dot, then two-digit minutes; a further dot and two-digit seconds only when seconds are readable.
11.14
